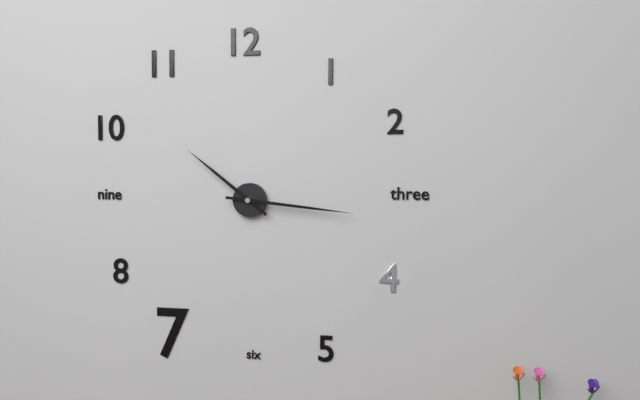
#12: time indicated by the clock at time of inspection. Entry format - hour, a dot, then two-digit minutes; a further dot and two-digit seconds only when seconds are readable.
10.16
